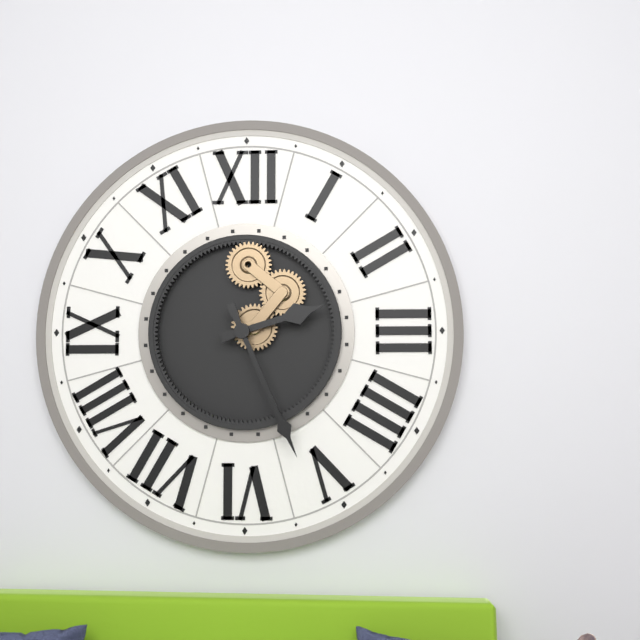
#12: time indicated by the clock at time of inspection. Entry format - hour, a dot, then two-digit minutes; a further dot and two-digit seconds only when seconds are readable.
2.26
